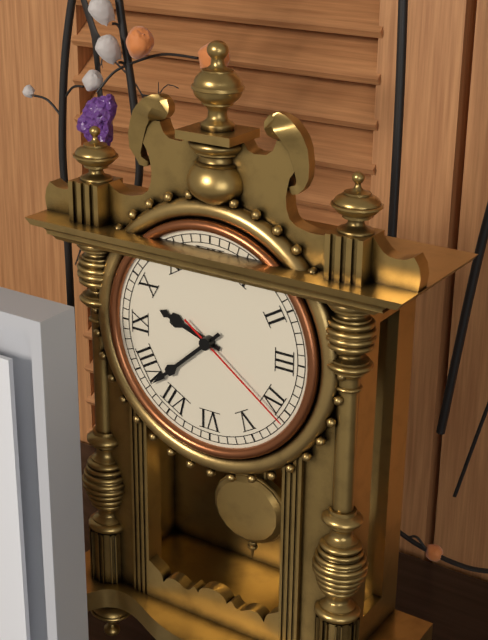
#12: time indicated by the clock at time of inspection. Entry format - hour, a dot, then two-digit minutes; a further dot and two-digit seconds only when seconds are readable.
9.38.21
